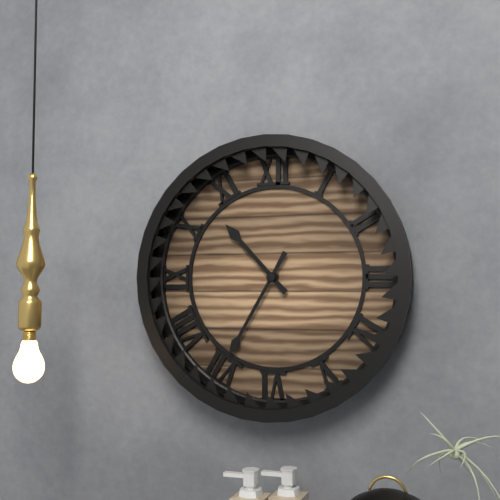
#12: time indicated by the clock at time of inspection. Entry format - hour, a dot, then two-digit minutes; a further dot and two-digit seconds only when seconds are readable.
10.35
